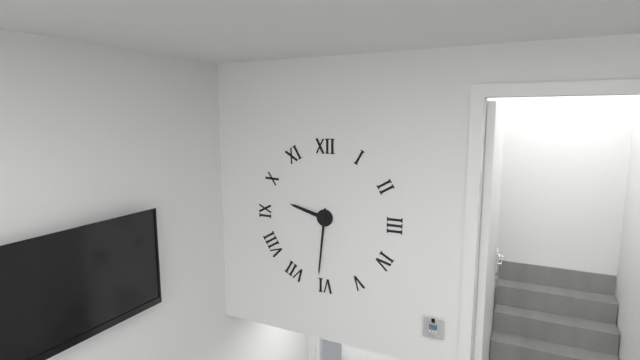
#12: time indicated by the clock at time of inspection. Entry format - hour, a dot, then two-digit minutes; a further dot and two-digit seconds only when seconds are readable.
9.31
